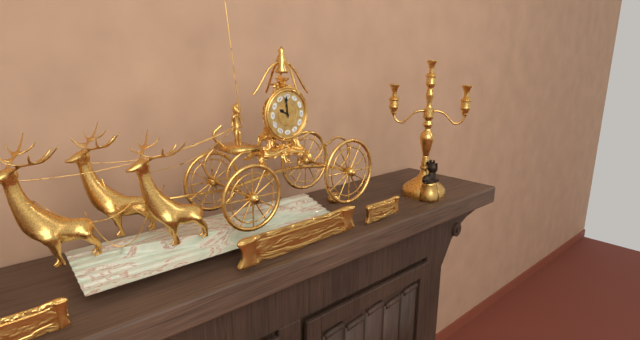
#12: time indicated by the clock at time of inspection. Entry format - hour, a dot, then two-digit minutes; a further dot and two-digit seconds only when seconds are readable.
9.59
